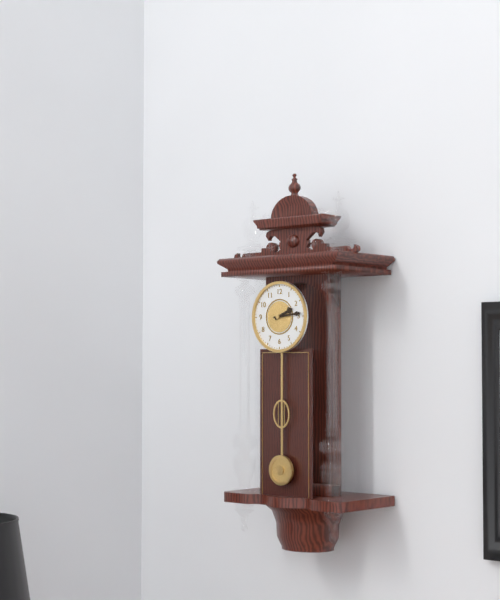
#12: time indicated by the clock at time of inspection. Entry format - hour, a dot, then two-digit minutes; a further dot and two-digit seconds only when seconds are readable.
2.14
